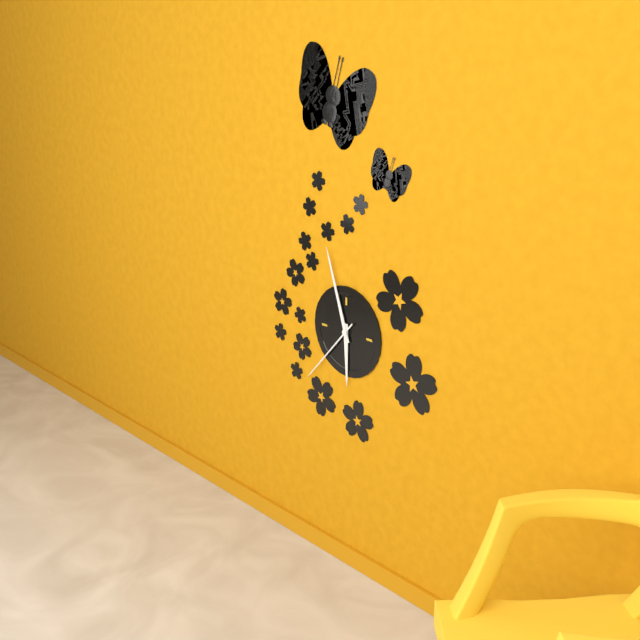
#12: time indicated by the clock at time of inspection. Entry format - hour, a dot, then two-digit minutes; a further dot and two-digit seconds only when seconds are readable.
5.57.37
